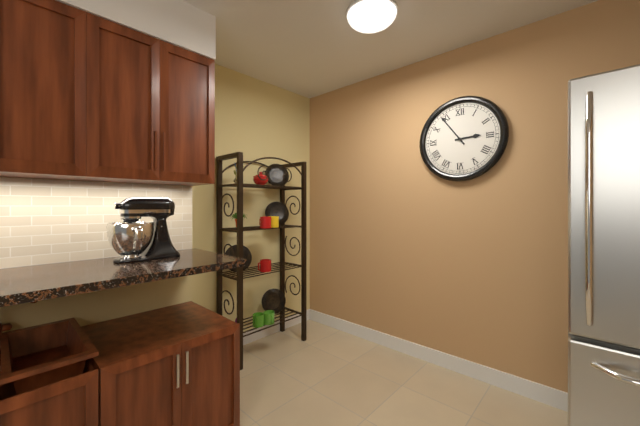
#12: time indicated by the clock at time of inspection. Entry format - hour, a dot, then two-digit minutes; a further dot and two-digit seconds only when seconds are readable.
2.54
